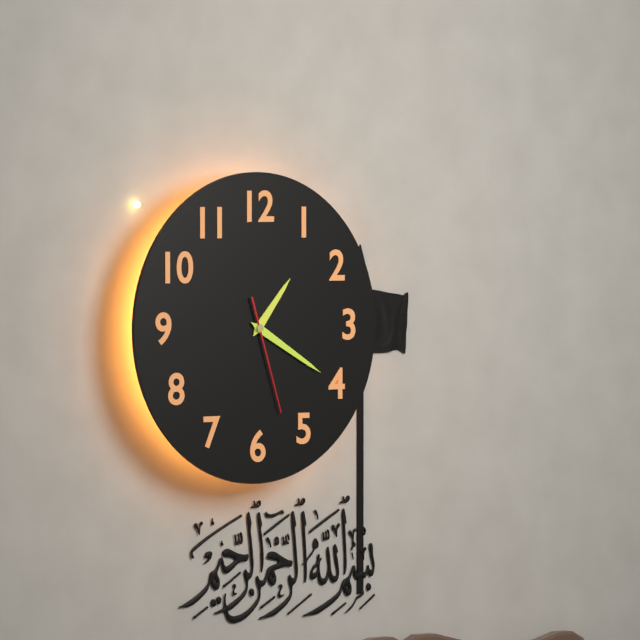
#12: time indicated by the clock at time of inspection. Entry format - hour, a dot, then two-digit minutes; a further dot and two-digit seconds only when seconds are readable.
1.20.27
